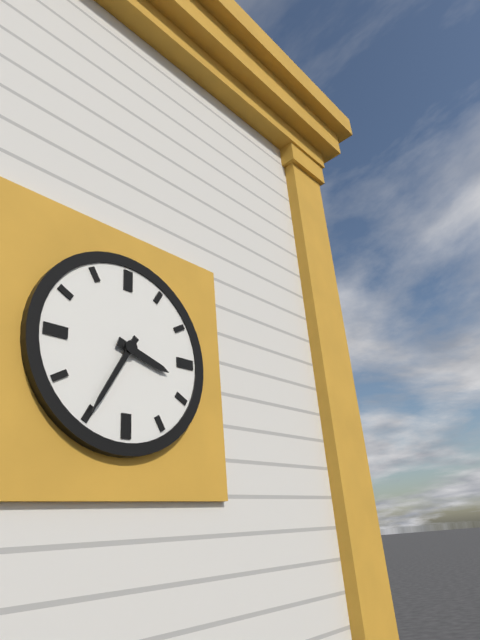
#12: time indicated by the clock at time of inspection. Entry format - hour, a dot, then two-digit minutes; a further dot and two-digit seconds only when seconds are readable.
3.35
